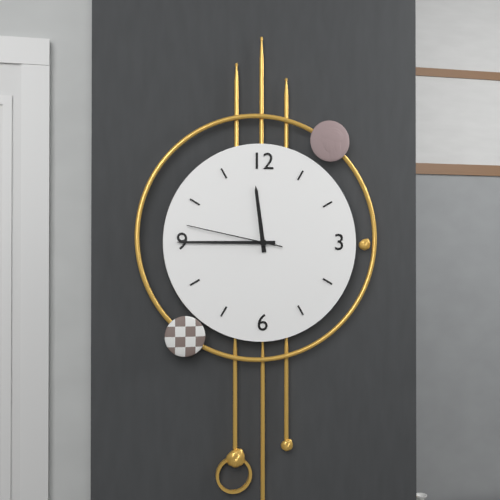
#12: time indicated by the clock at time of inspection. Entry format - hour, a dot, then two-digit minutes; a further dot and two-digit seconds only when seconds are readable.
11.45.47
